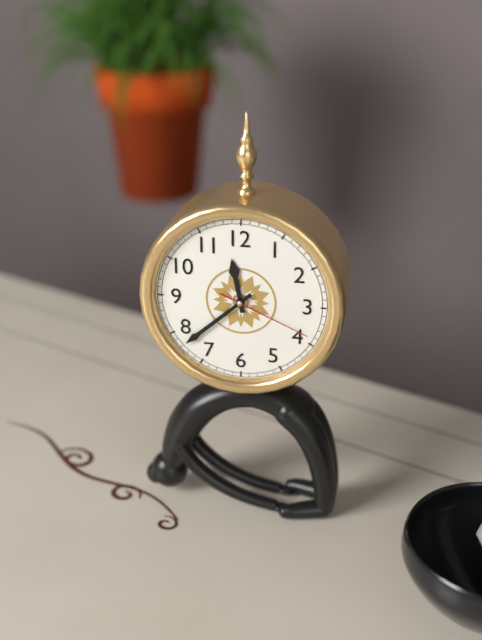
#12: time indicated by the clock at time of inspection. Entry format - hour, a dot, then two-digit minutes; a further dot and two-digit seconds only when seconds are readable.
11.38.19
